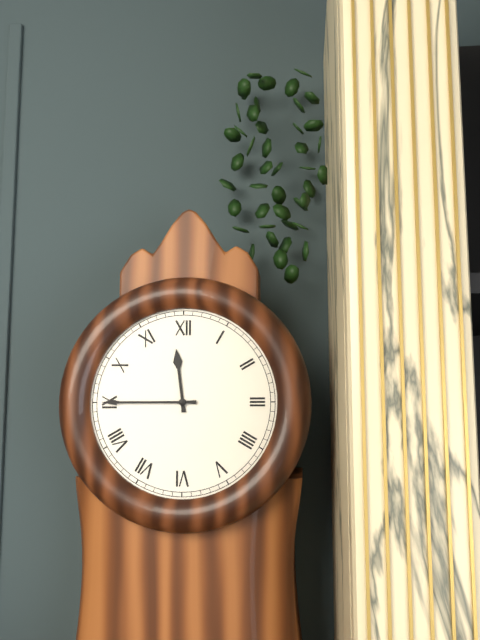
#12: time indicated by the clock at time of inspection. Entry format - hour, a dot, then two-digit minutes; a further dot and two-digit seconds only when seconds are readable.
11.45
